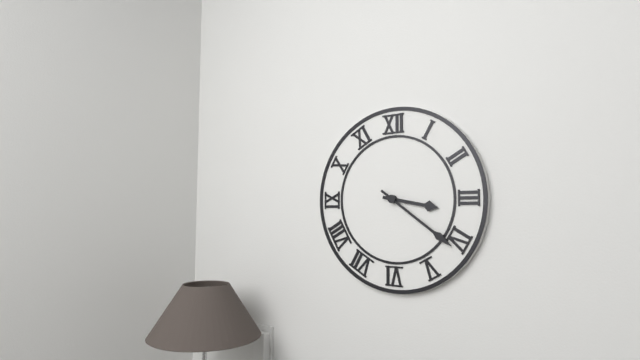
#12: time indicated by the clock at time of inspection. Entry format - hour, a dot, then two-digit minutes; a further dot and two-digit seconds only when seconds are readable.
3.21
